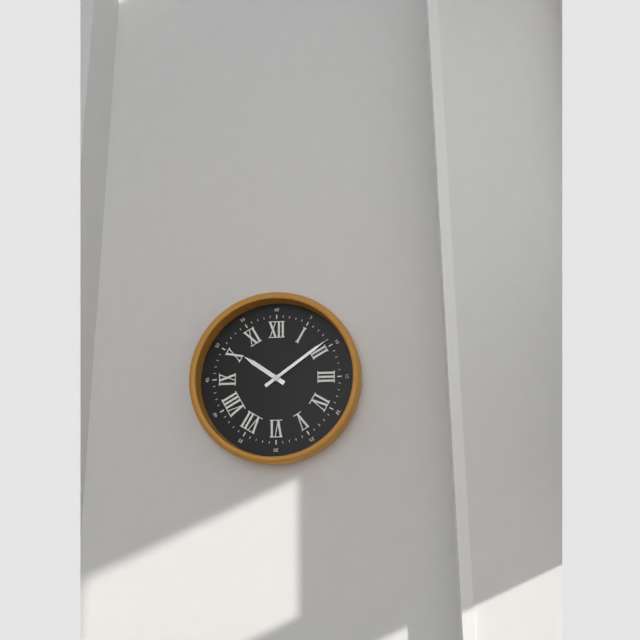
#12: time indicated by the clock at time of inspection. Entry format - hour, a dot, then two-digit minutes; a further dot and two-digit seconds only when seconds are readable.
10.09
